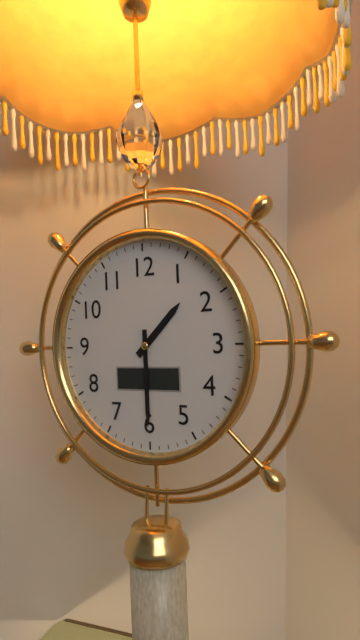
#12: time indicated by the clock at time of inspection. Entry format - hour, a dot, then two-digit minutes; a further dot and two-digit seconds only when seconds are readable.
1.30
